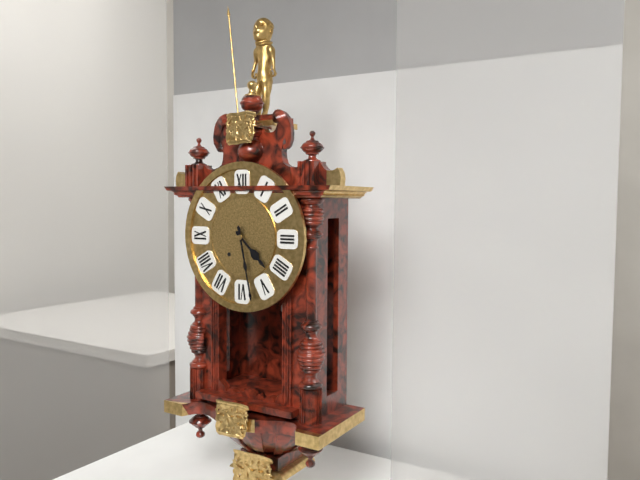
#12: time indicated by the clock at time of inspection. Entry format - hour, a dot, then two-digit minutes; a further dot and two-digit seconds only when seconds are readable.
4.28
